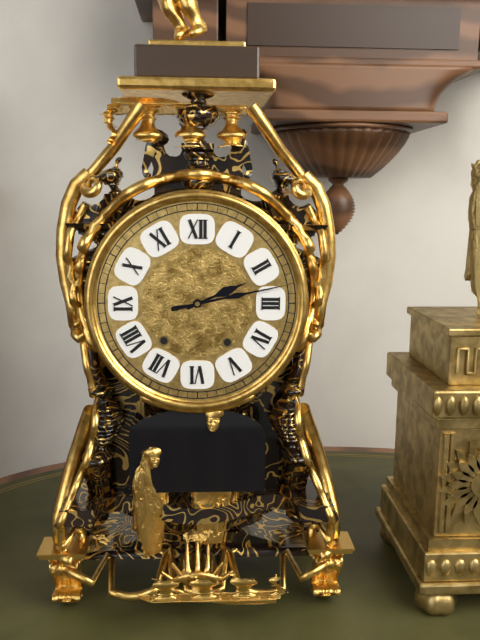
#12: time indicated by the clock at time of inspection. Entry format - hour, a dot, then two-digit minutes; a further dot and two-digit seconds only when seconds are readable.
2.13
